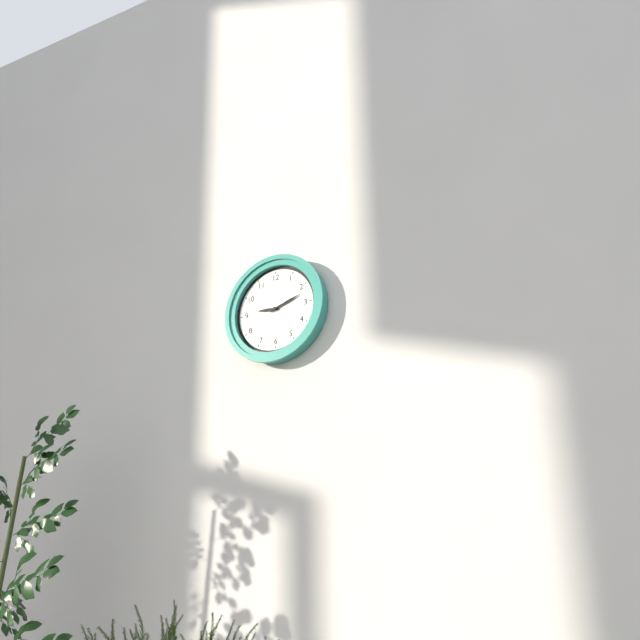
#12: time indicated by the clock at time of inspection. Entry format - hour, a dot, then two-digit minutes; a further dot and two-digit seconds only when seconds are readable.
9.12
